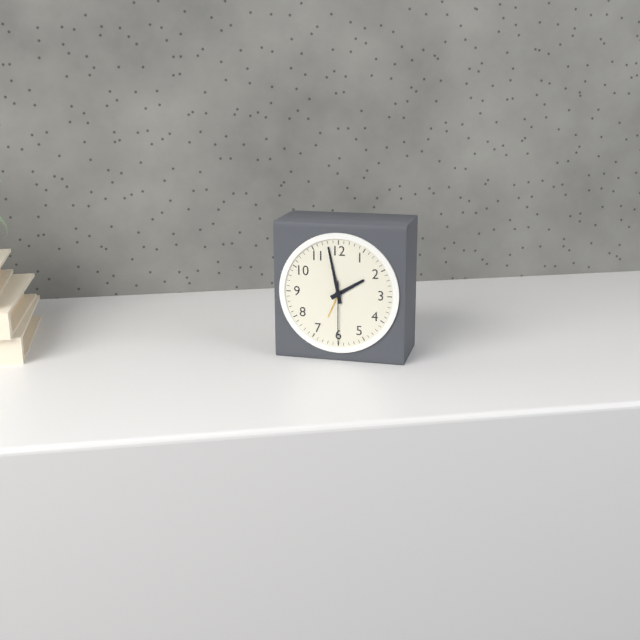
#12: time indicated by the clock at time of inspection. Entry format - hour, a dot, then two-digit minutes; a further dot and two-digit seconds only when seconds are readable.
1.58.30
